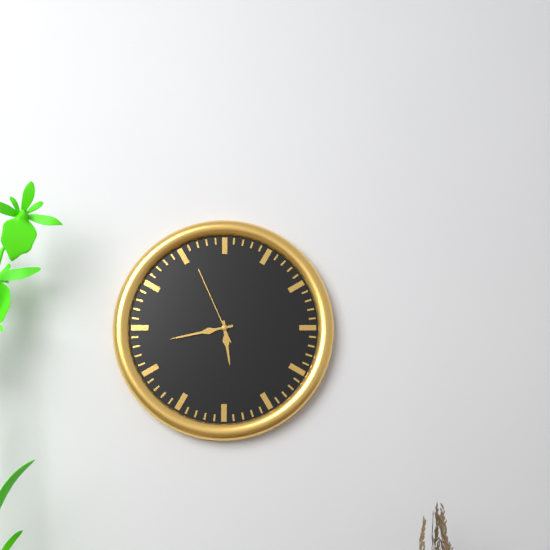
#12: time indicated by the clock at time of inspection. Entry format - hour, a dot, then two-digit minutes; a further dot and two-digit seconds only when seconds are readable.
5.43.56
